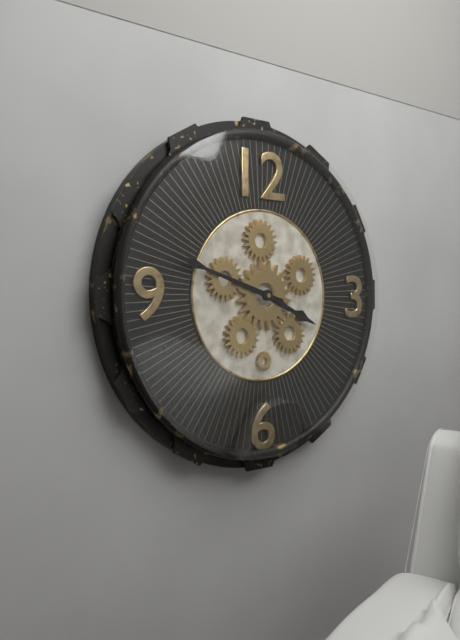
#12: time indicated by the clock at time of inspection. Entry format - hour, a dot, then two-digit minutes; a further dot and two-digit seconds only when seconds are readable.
3.48
